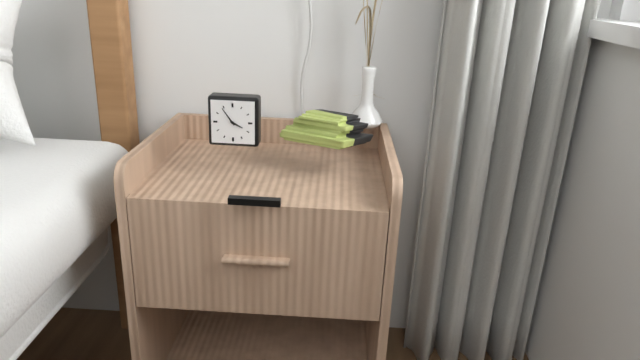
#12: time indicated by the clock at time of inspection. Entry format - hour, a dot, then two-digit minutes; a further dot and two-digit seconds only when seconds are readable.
3.54
